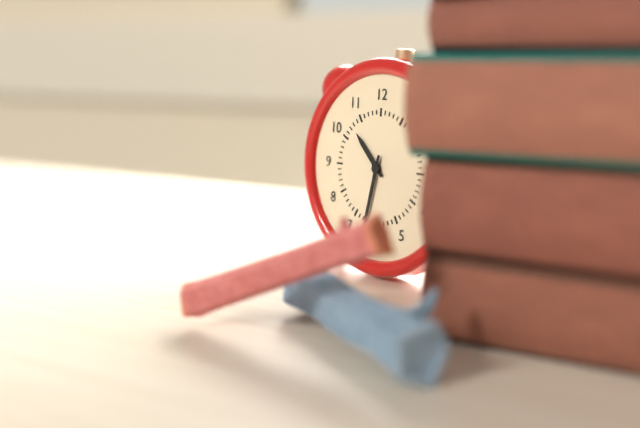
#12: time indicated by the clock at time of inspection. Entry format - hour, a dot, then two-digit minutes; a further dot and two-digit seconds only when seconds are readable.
10.32
